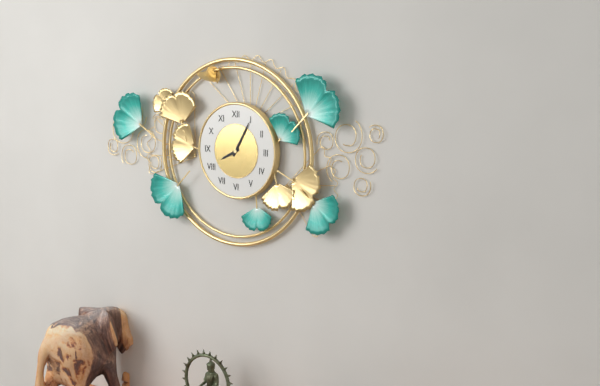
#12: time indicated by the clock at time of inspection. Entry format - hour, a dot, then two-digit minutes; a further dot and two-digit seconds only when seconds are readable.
8.05
